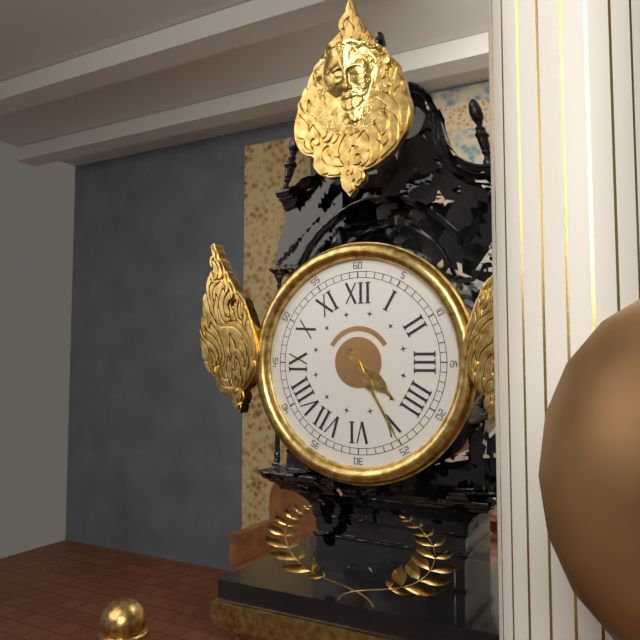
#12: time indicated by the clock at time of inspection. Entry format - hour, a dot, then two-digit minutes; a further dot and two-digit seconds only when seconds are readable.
4.25
